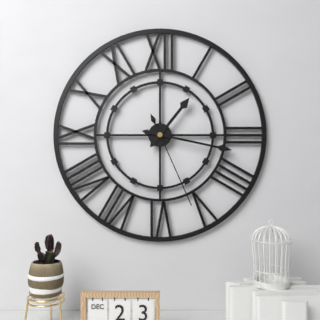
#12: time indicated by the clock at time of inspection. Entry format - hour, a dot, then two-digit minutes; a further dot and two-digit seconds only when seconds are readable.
1.17.26
